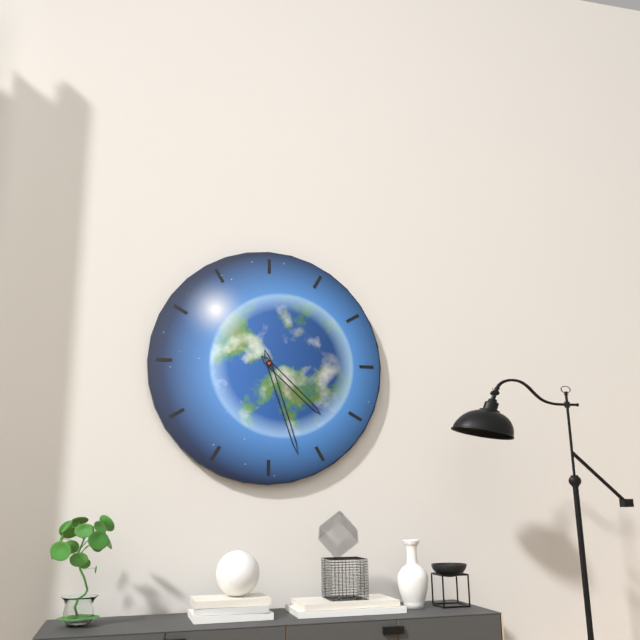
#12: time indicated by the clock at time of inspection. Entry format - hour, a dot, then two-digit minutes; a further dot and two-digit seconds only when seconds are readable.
4.27
